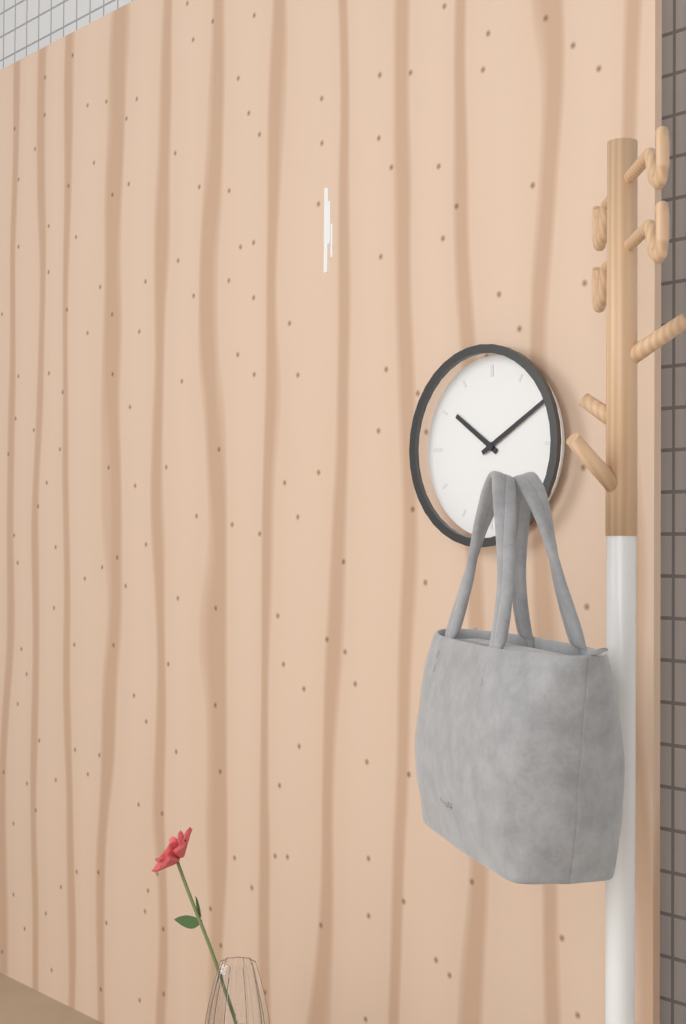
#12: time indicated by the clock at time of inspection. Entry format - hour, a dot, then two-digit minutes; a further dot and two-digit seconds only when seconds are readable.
10.10
